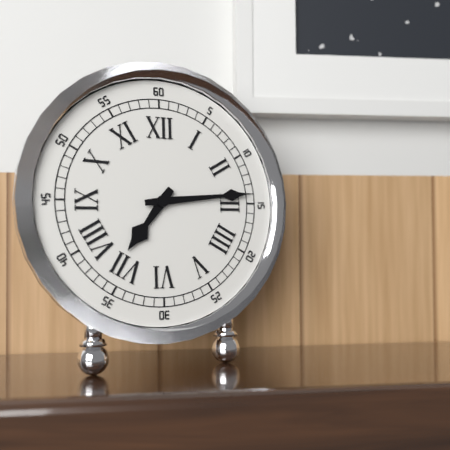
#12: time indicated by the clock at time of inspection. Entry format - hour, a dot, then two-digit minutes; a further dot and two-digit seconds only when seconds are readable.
7.14
